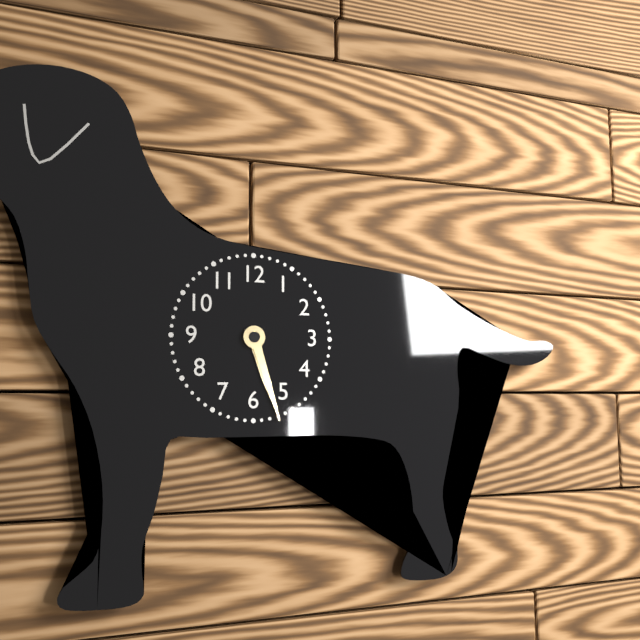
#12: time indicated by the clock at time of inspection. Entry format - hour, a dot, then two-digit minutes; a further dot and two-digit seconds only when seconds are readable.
5.27
